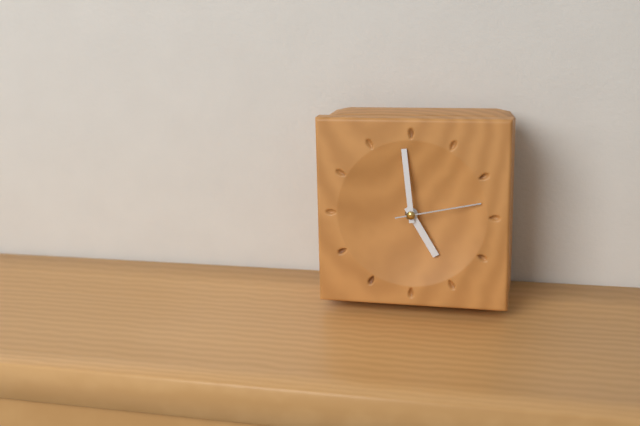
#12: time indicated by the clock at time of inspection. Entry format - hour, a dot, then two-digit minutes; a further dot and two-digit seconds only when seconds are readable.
4.59.13
